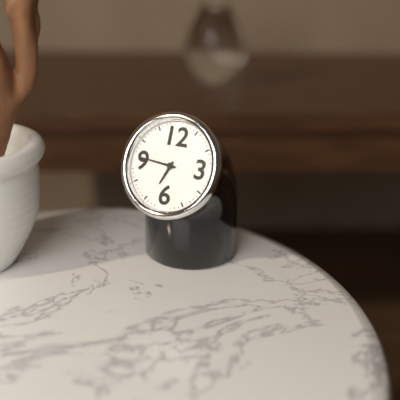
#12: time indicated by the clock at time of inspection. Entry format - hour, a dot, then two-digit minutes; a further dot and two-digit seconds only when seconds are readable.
6.46
